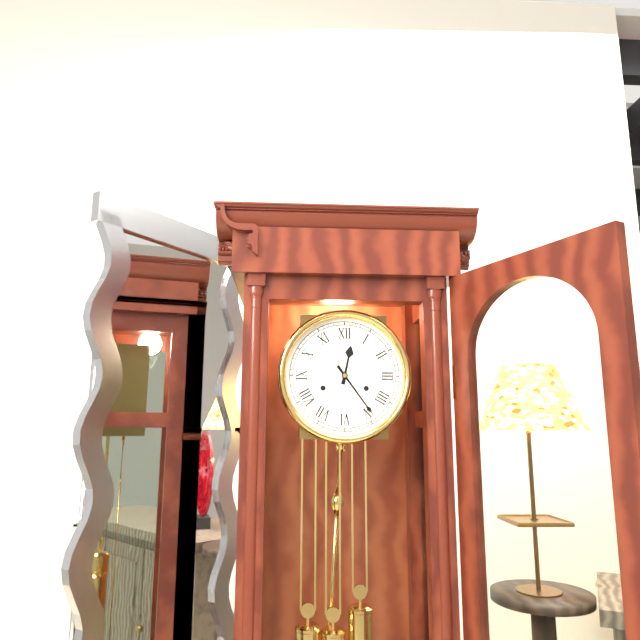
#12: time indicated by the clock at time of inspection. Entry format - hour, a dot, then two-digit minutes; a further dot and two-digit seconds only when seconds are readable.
12.24
